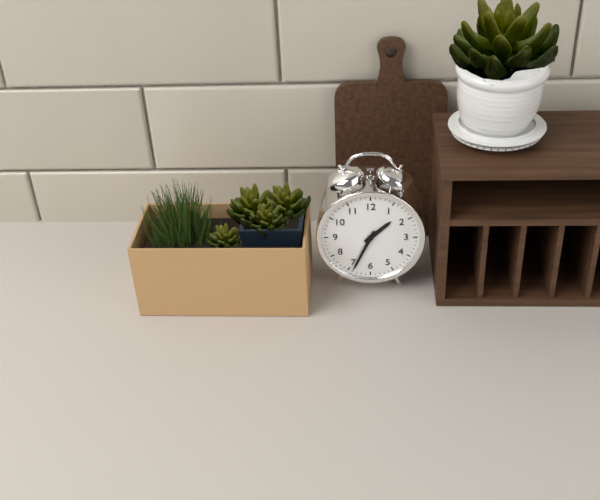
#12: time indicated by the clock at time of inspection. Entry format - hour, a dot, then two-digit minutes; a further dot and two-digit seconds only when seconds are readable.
1.34
